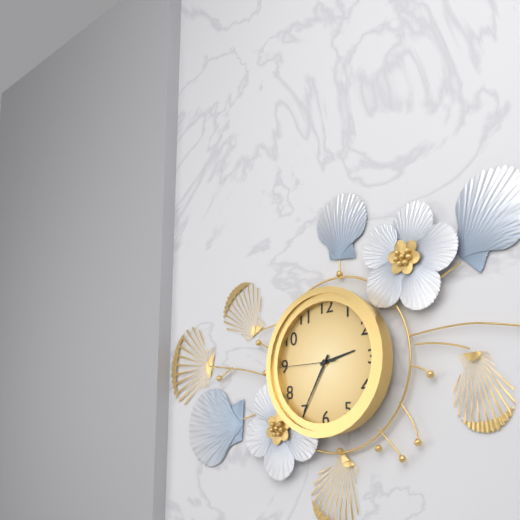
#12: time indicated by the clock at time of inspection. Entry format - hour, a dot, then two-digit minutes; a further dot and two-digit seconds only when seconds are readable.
2.35.45
